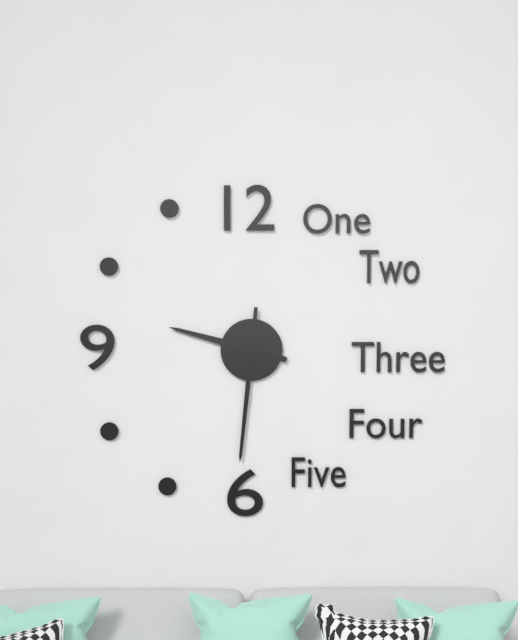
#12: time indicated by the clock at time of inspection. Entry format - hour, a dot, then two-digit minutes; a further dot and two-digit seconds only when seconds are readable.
9.31
